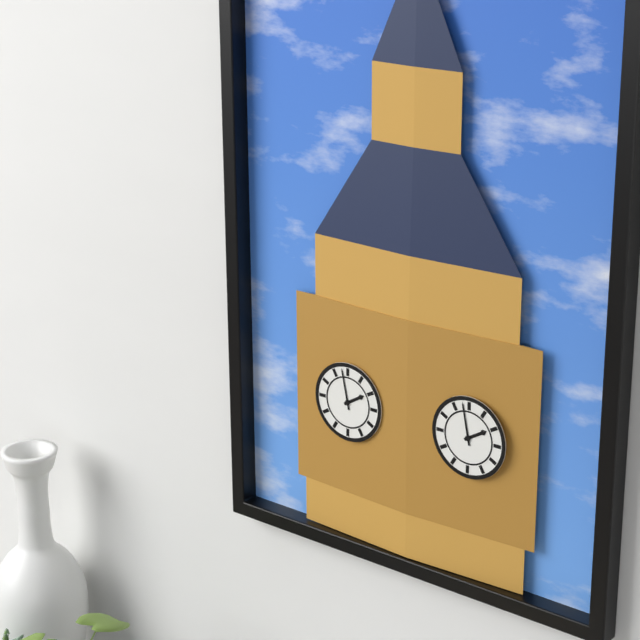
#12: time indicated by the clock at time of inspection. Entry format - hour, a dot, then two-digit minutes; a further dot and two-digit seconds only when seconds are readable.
1.58
